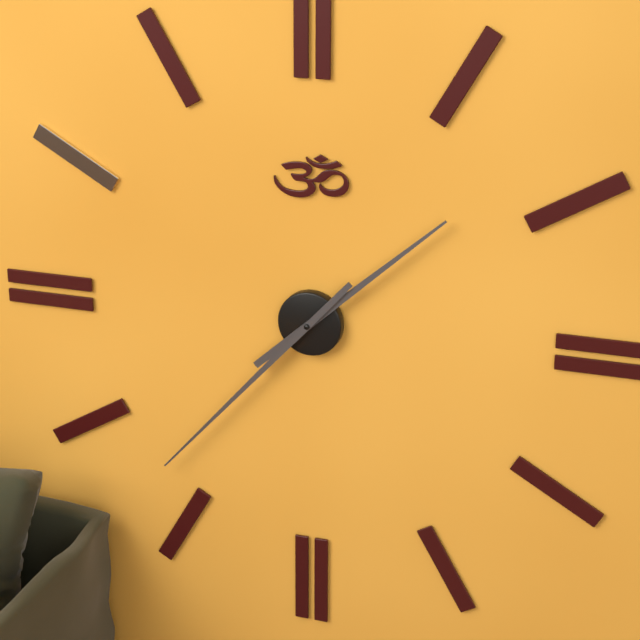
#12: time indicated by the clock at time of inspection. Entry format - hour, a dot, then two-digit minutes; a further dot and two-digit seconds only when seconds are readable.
1.37
